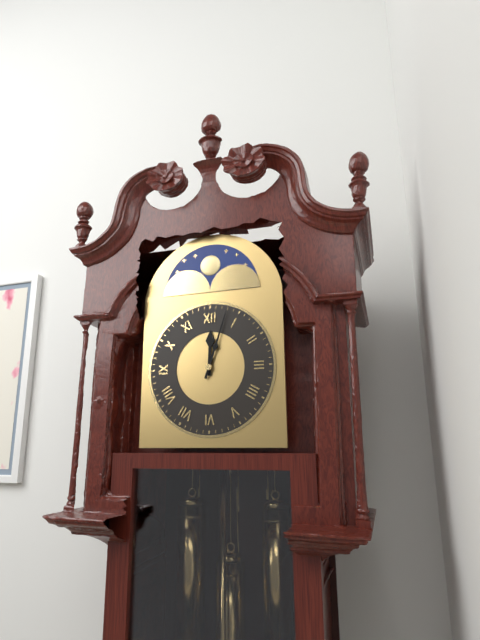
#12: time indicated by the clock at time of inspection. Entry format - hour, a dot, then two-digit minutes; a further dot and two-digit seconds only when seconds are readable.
12.03
